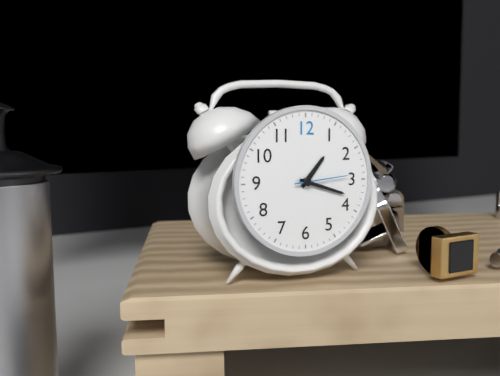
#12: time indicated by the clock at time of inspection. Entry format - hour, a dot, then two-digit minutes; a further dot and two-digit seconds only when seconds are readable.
1.18.14
